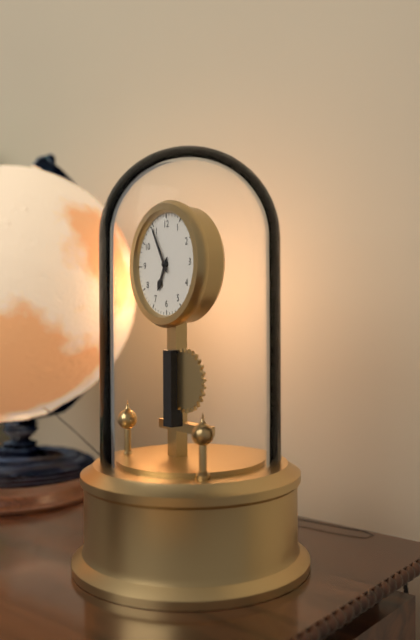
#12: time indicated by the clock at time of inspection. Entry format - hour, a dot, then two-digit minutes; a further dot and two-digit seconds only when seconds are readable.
6.55
